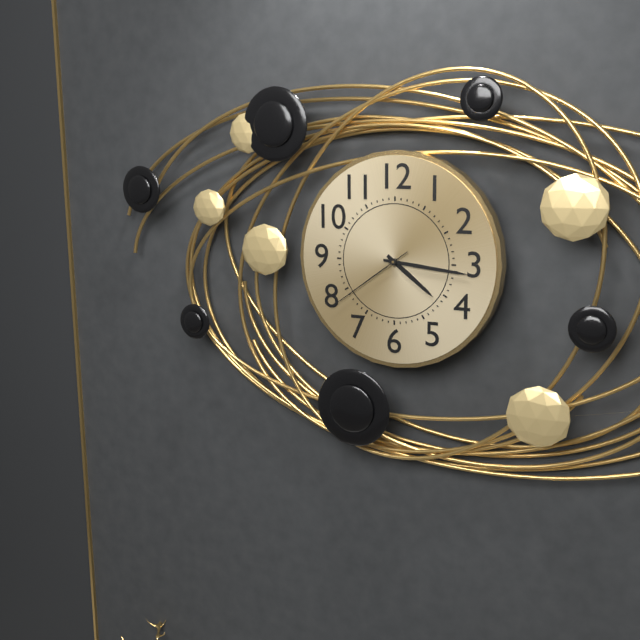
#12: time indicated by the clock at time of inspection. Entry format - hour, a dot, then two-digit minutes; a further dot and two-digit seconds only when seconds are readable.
4.16.39
